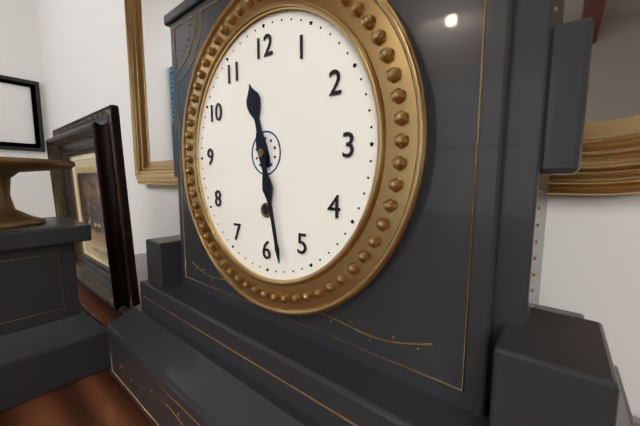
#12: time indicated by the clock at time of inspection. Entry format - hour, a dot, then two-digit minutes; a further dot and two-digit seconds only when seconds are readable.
11.28
